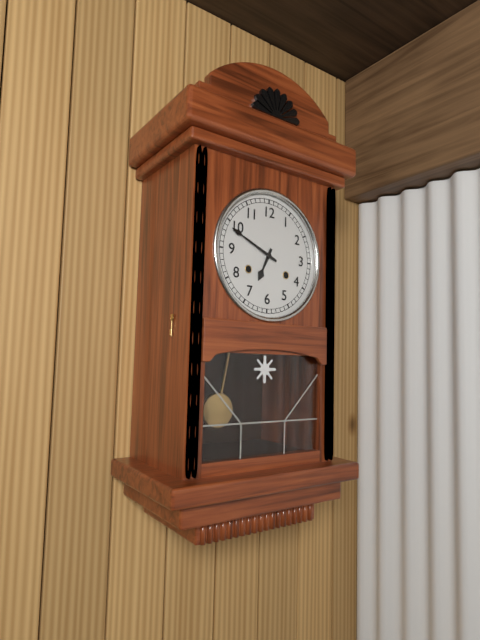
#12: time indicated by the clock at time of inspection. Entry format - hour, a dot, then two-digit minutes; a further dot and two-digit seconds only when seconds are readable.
6.49
